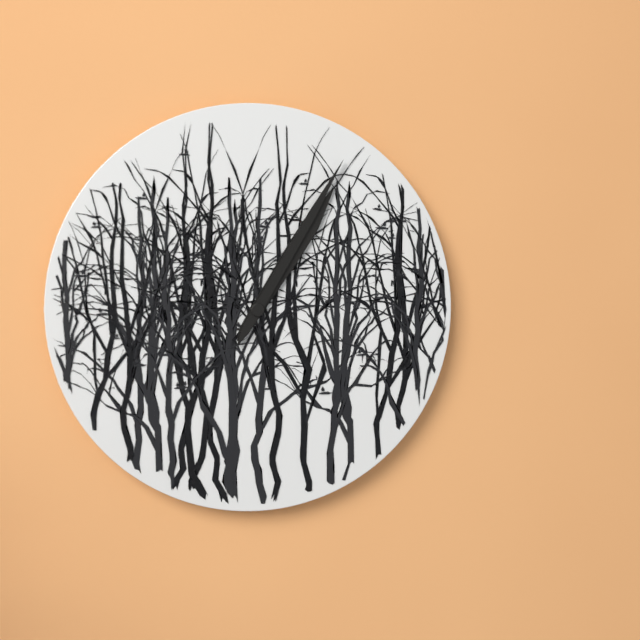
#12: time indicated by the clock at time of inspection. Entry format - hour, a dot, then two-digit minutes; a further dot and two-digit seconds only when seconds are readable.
1.05
